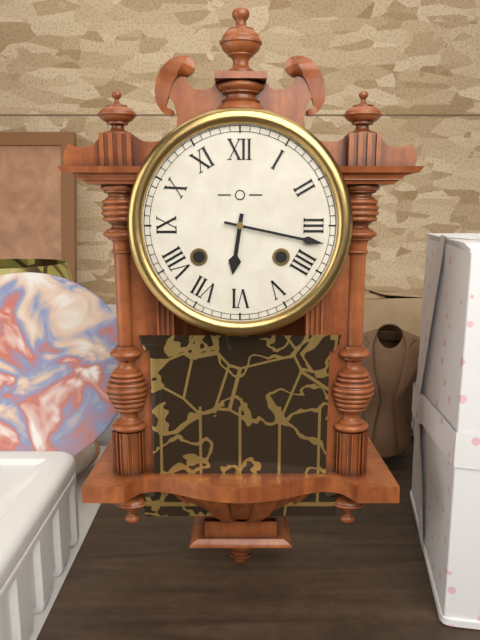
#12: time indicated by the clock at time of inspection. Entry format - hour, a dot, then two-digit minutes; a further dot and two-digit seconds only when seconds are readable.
6.17
